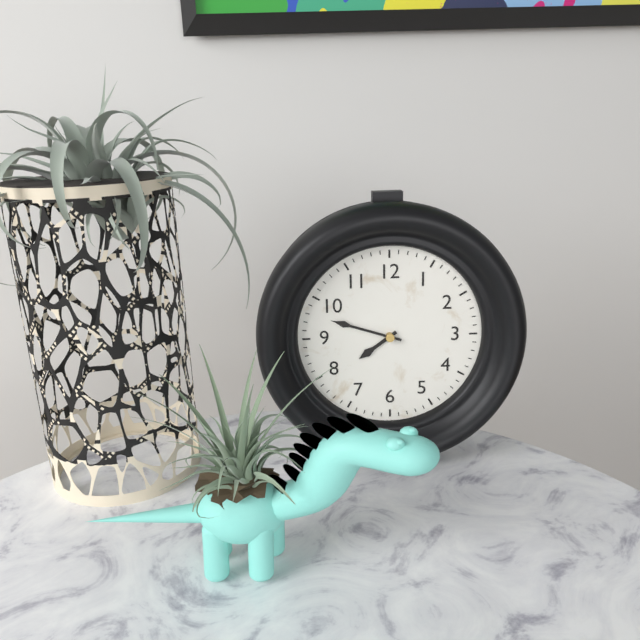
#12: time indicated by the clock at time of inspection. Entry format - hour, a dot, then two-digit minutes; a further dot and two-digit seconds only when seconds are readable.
7.48
